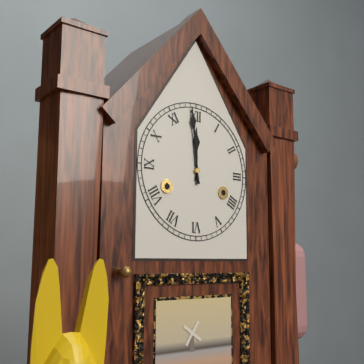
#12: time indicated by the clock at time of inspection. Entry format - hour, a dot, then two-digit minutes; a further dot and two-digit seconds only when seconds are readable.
11.59
